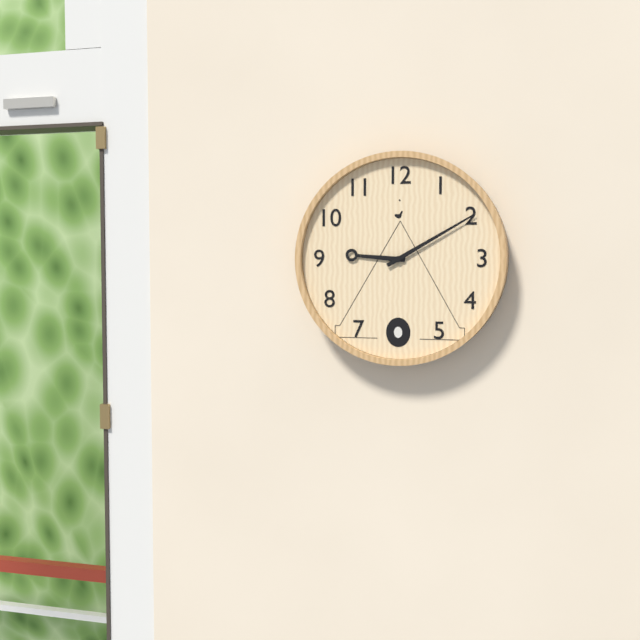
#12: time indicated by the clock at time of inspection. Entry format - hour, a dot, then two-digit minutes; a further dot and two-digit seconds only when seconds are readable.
9.10
